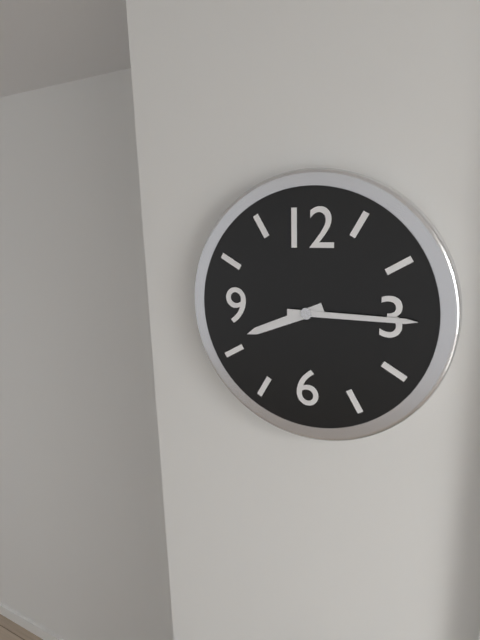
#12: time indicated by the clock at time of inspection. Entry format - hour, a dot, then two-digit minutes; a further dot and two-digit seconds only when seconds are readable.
8.15
